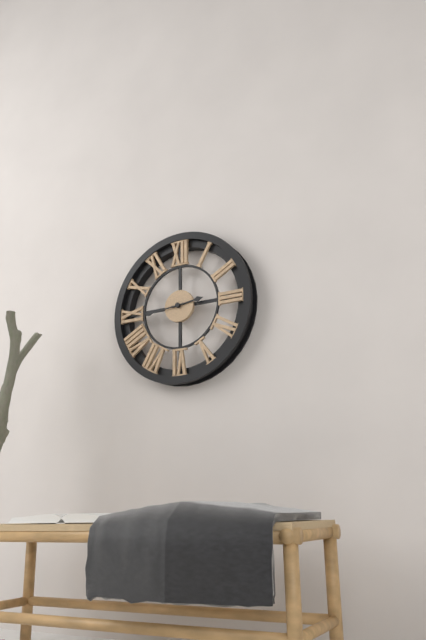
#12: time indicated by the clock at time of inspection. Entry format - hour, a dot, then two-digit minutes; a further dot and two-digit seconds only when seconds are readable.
2.44
